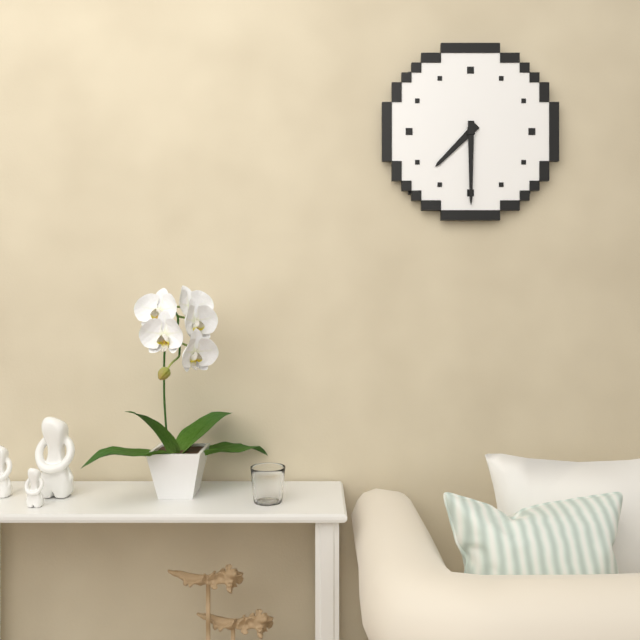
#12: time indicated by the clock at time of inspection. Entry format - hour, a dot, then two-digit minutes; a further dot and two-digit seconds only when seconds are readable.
7.30
